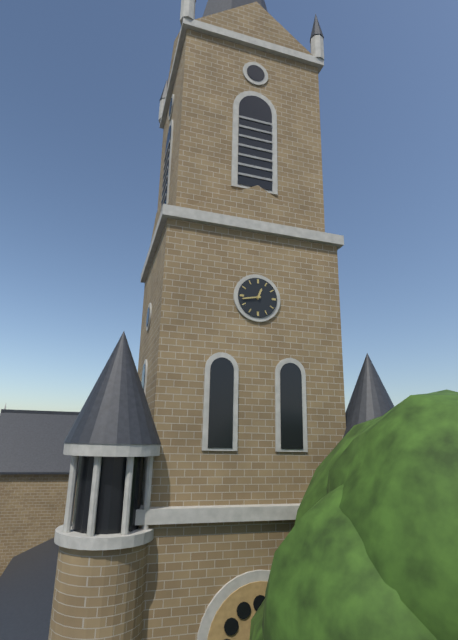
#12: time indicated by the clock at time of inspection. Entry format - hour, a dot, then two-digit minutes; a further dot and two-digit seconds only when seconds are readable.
12.43
